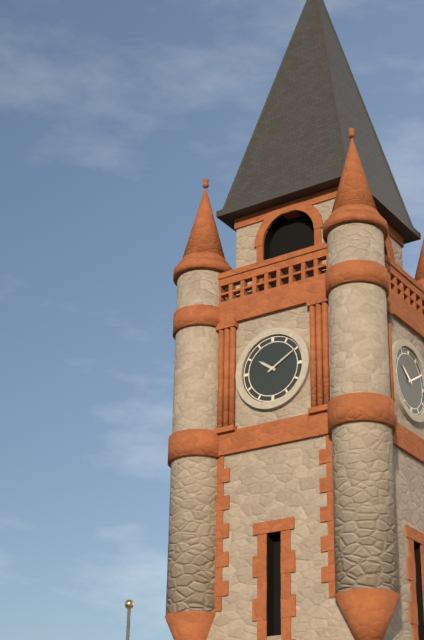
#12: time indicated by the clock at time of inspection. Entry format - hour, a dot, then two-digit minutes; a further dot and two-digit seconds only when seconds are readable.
10.10
